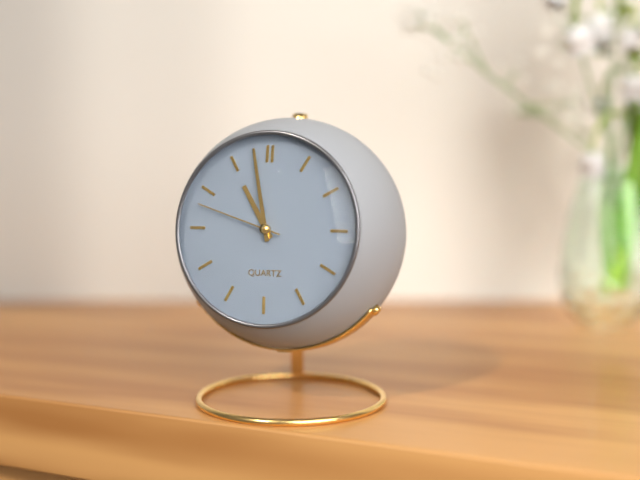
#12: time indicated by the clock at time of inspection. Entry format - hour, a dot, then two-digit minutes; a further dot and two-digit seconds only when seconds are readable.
10.58.48
